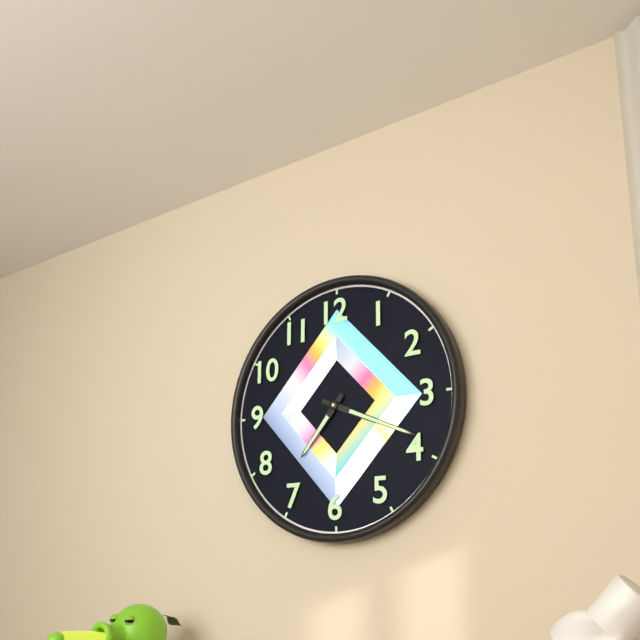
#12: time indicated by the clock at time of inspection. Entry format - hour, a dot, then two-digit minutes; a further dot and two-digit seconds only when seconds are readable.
7.19
